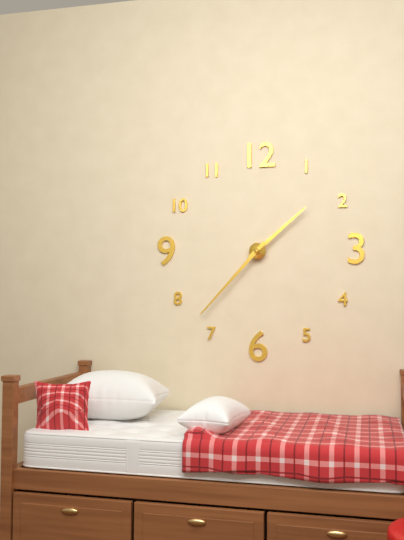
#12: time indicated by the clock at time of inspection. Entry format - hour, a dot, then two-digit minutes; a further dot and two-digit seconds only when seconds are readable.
1.37
